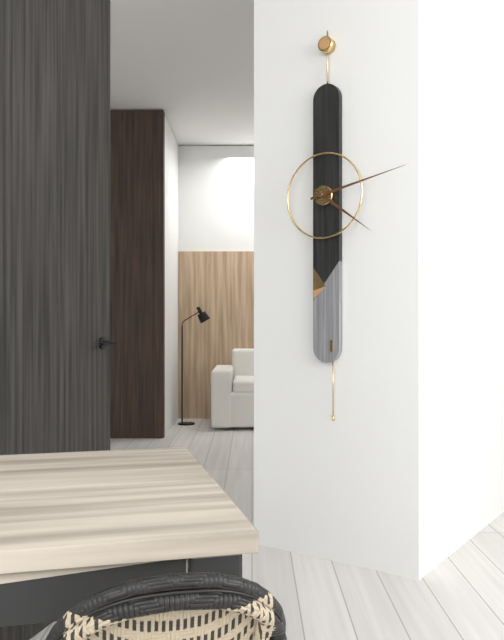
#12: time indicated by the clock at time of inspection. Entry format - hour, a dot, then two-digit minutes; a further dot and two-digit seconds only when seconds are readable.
4.13
